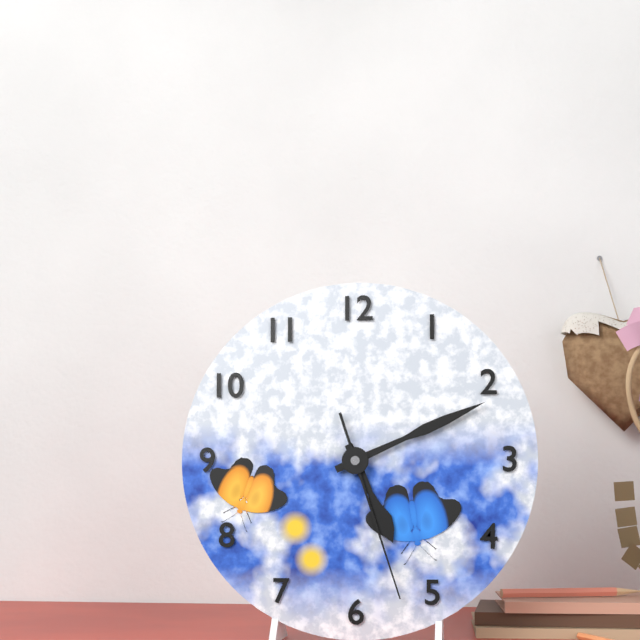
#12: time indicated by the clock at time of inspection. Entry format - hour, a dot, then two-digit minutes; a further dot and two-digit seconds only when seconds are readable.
5.11.27
